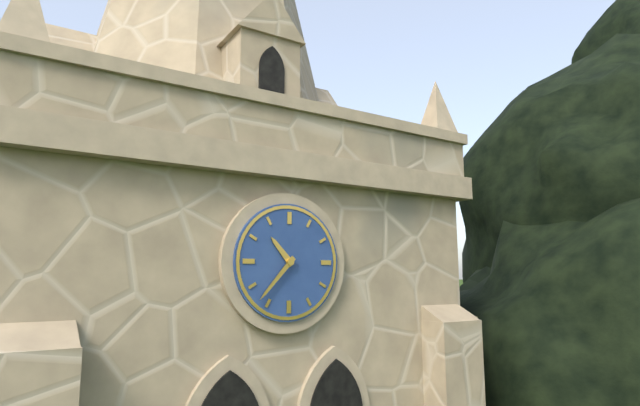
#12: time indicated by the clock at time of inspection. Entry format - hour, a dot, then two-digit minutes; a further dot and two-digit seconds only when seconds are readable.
10.37
